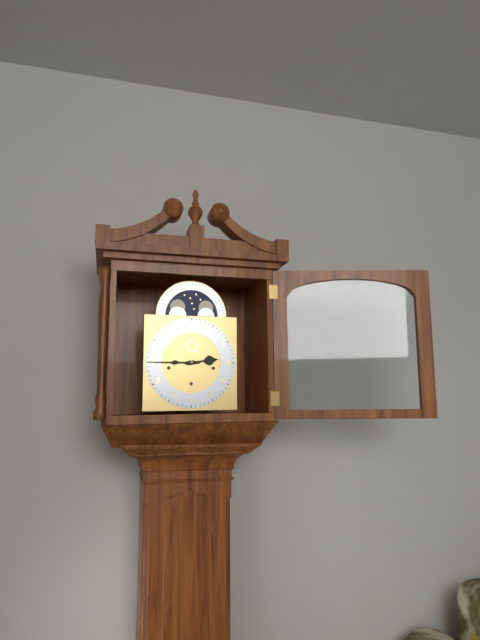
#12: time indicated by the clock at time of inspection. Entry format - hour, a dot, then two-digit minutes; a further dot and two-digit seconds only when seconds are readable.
2.45
